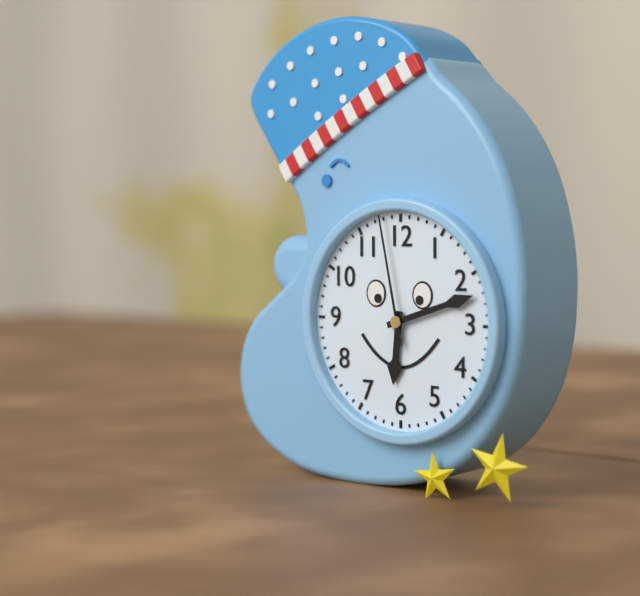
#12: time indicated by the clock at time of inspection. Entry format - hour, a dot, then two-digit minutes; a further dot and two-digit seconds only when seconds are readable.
6.12.58
